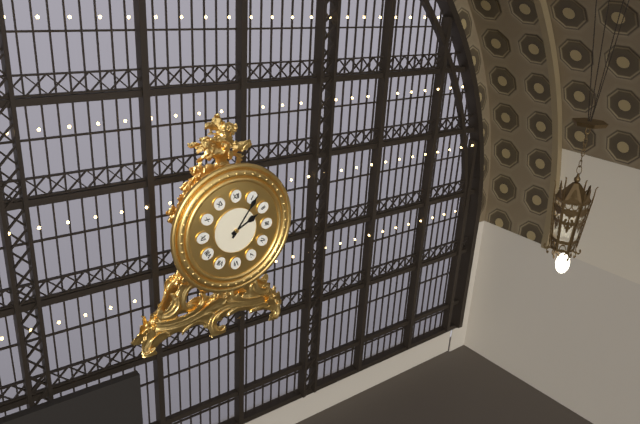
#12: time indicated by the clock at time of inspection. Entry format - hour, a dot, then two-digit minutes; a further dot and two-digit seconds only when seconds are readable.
2.06
